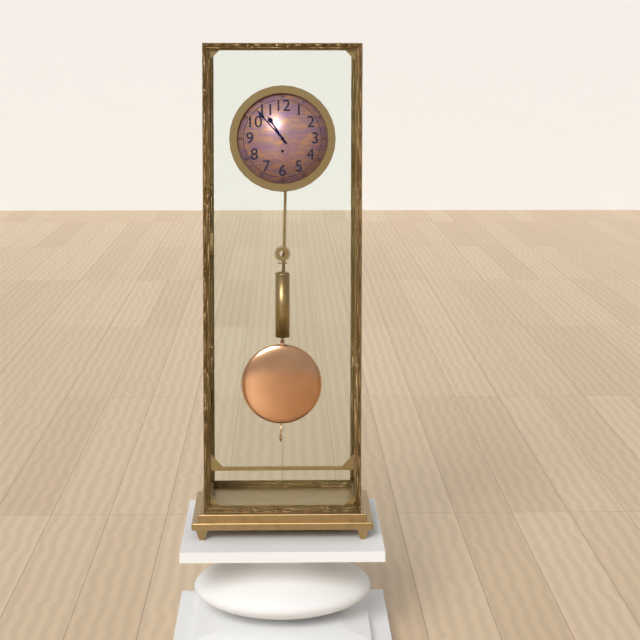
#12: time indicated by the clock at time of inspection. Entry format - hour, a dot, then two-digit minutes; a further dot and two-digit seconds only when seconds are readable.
10.53
